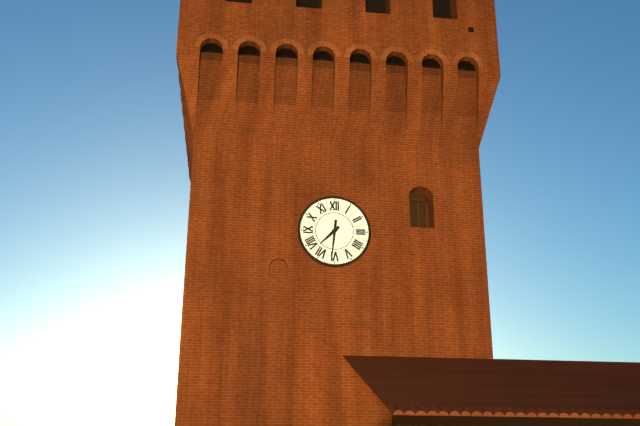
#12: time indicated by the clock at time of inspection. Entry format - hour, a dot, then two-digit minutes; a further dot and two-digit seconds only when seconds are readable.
7.31
